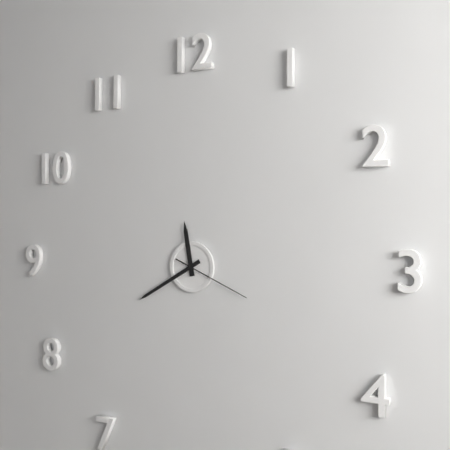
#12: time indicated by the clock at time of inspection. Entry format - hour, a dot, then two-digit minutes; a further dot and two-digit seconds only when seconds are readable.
11.40.19
